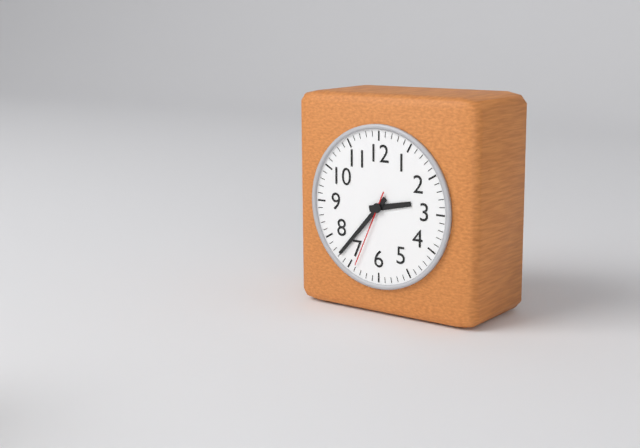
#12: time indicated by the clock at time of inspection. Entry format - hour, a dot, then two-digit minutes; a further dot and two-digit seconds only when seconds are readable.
2.37.34
